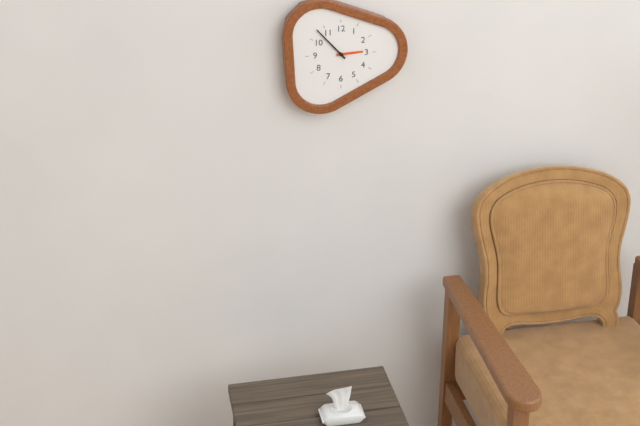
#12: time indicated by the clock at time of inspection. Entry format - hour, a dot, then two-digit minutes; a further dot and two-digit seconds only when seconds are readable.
2.53
